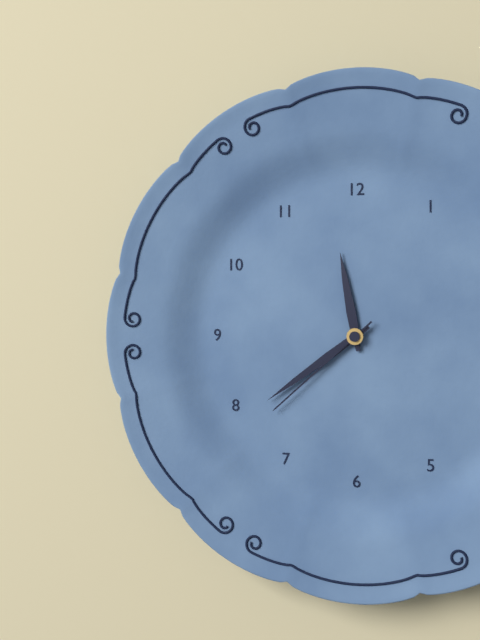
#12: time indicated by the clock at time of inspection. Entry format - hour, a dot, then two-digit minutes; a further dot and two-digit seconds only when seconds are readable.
11.39.38
